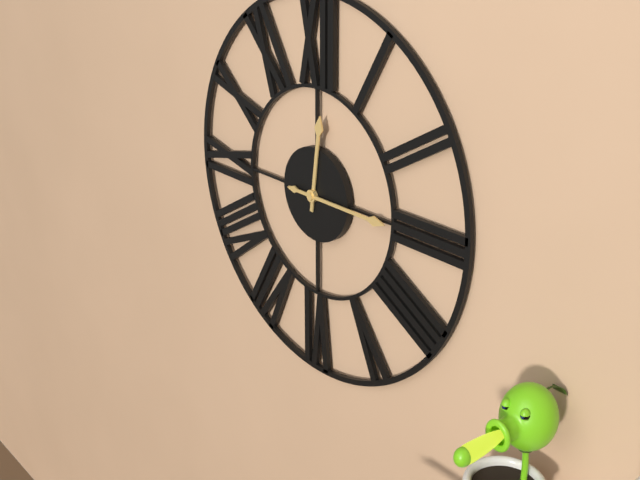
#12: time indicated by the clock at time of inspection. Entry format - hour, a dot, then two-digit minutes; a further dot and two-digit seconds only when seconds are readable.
12.15
